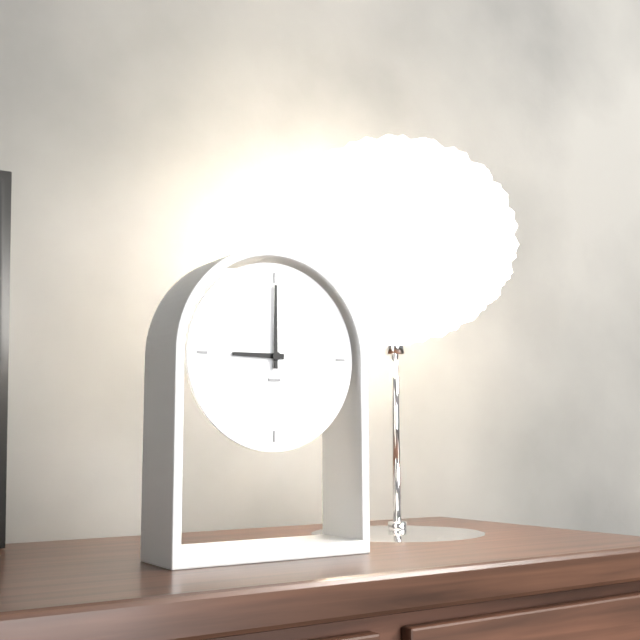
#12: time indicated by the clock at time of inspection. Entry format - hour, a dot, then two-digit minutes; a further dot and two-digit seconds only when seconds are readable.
9.00
